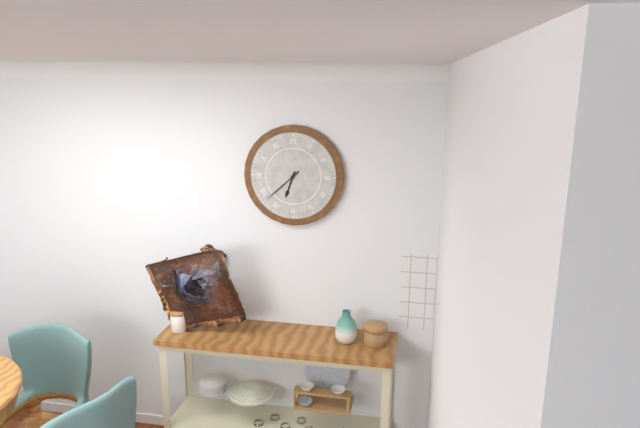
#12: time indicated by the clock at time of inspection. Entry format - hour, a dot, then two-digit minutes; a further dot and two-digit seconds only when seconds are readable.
6.38
